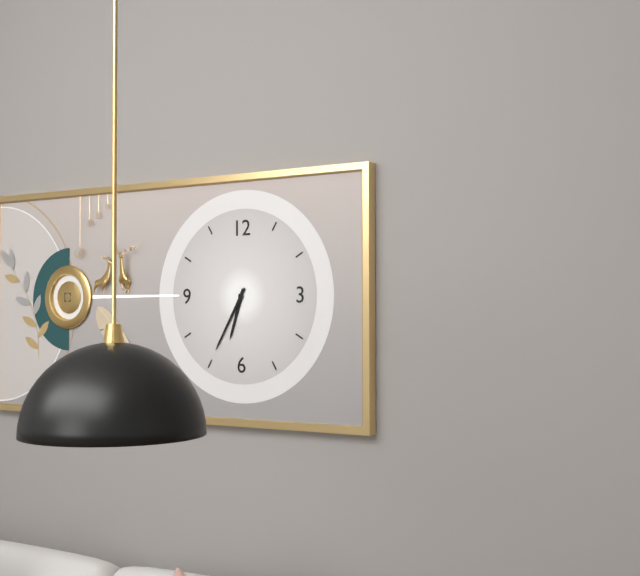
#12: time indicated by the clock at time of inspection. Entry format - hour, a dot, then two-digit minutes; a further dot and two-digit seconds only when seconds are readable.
6.35
